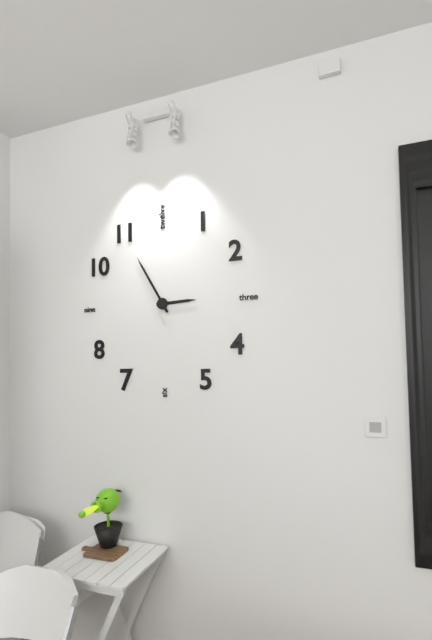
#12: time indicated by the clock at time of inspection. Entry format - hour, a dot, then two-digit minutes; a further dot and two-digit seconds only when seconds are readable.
2.55
